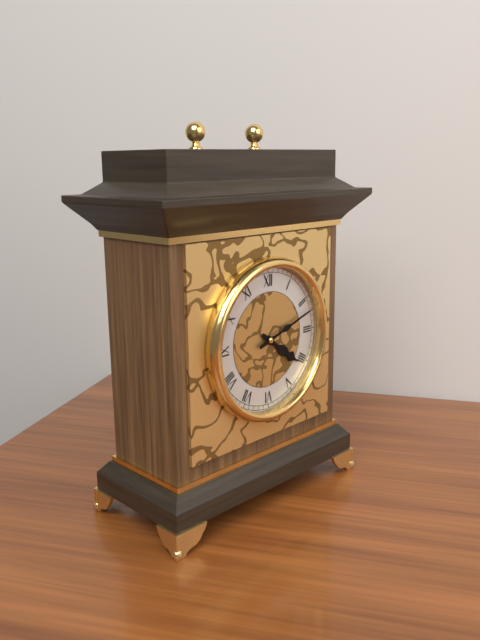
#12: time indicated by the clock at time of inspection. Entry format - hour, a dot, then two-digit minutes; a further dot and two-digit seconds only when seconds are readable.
4.12
